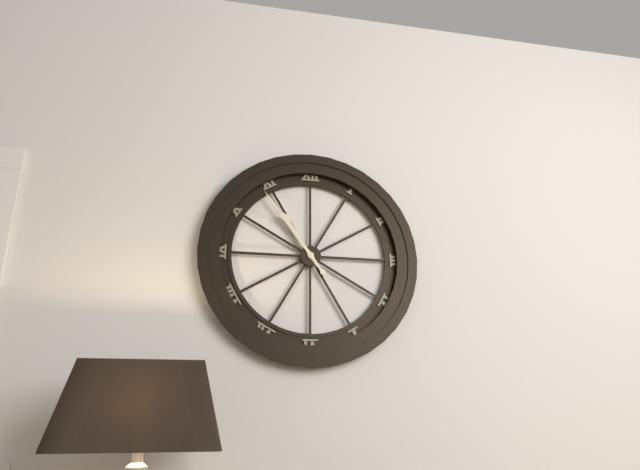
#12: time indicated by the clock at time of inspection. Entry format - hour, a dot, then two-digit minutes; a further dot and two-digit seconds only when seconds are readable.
10.54
